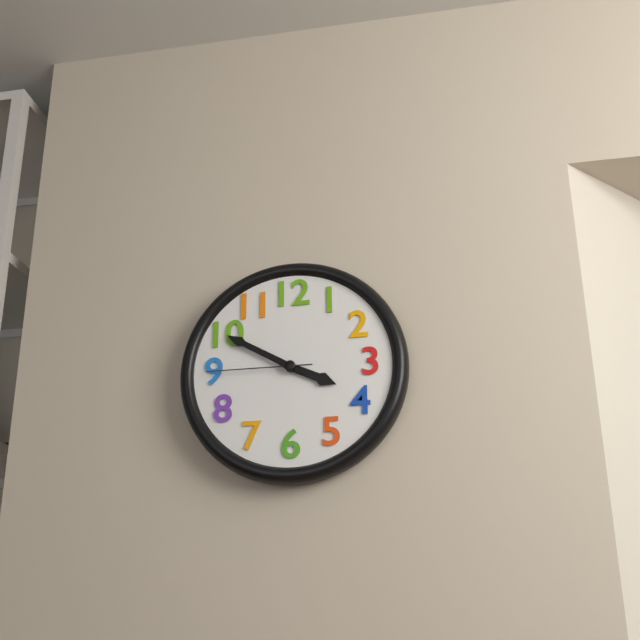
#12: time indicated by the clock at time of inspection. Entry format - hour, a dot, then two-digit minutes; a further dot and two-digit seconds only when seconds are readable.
3.50.45
